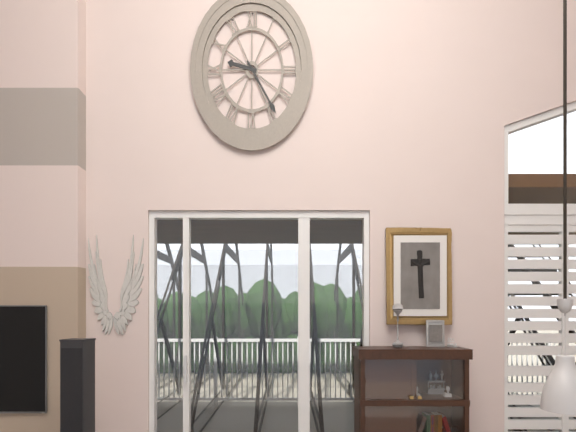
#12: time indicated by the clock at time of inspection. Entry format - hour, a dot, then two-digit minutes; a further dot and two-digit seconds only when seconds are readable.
9.24
